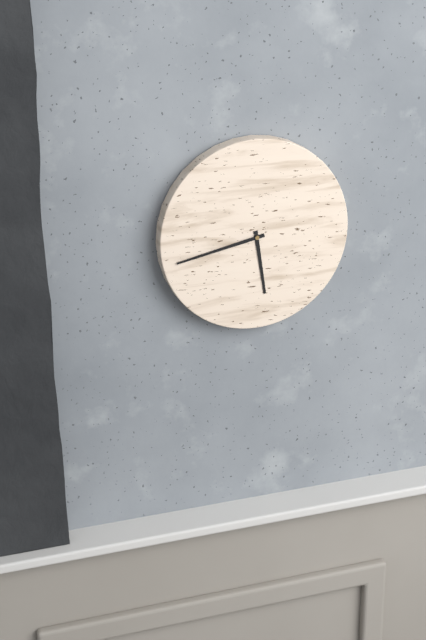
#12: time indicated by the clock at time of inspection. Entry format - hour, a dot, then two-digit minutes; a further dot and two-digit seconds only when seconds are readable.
5.43
